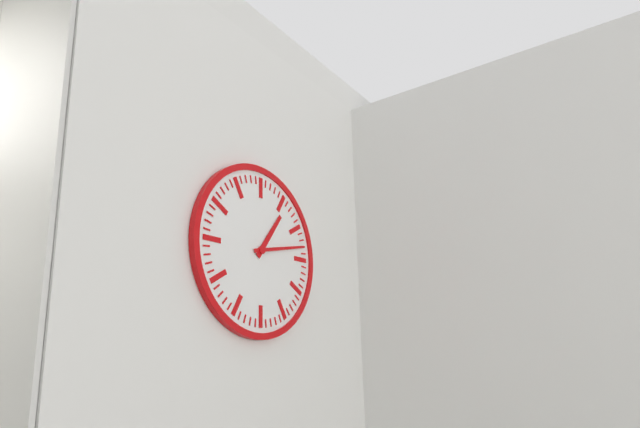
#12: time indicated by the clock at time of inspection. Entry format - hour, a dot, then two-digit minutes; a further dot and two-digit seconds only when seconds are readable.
1.13
